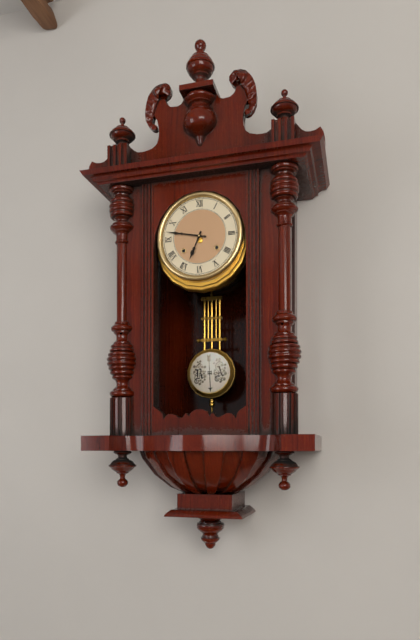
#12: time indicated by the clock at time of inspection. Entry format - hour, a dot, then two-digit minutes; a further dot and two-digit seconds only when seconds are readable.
6.47
